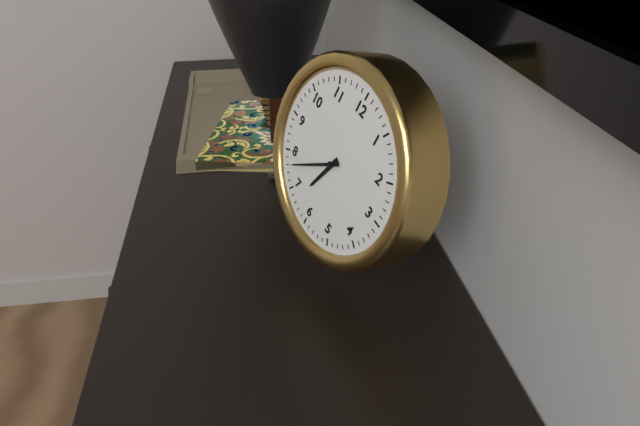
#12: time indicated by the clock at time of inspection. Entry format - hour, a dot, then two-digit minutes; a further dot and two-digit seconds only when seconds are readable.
6.38
